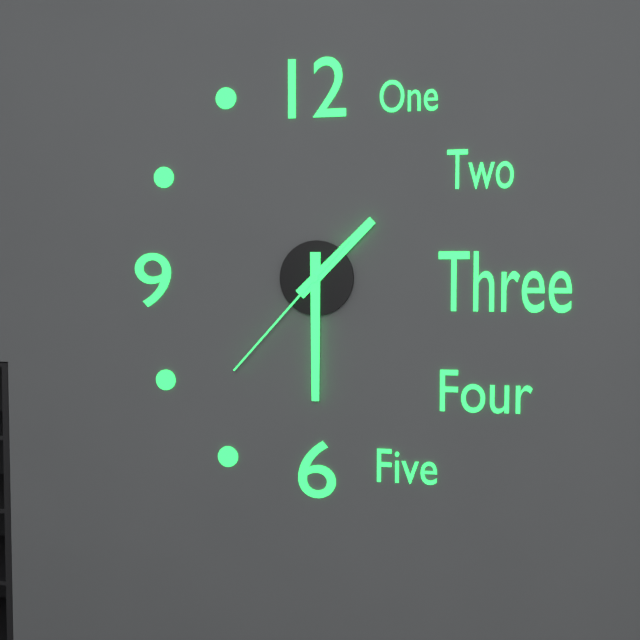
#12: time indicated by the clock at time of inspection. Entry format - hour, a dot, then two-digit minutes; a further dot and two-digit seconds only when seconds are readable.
1.30.37
